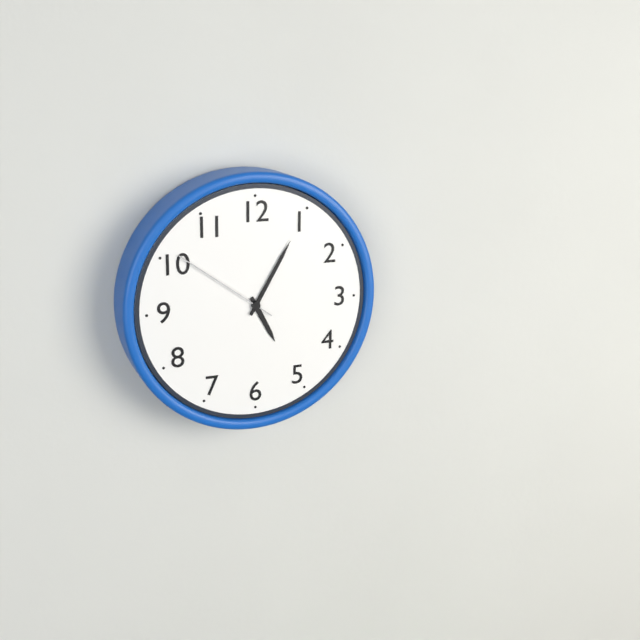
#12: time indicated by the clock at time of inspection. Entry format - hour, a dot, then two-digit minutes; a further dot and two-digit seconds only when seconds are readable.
5.05.51
